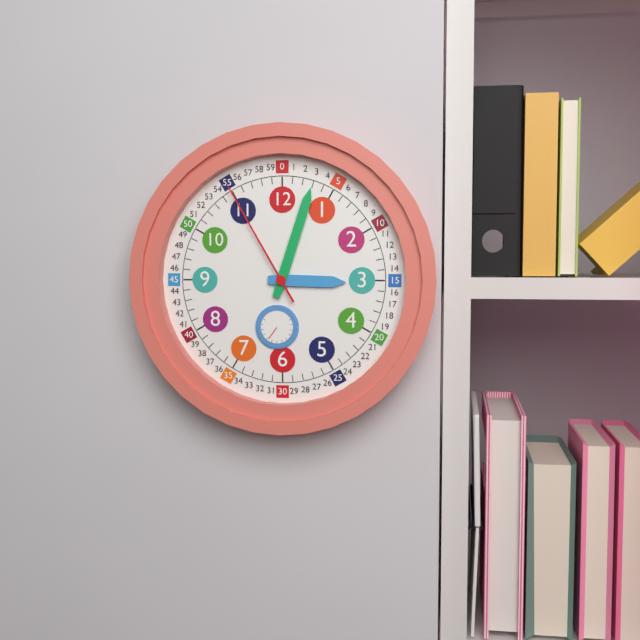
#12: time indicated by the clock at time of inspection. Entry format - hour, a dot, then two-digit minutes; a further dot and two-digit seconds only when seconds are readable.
3.03.55
